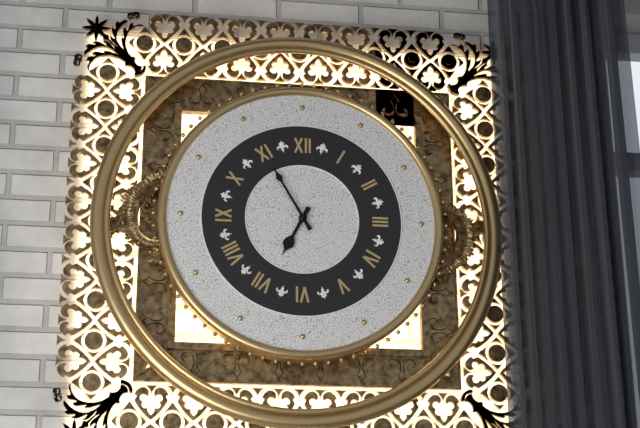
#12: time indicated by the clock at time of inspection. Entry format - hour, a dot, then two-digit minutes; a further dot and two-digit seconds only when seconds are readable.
6.55
